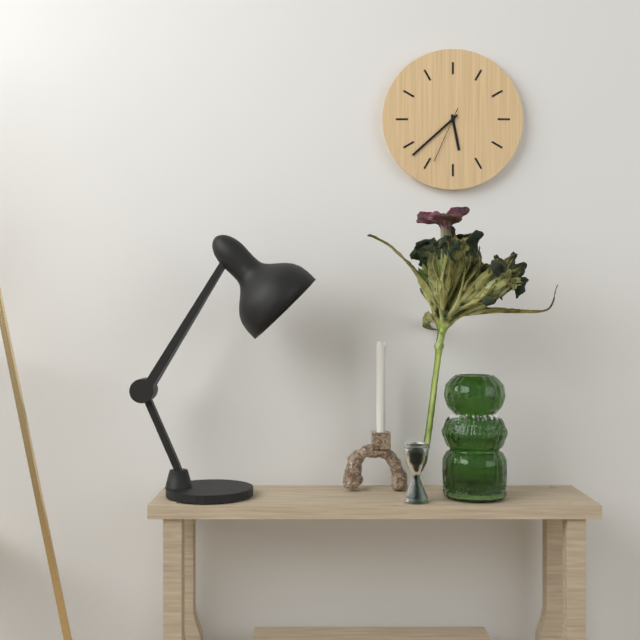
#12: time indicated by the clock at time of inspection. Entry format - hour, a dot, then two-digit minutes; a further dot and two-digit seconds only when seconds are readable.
5.38.34
